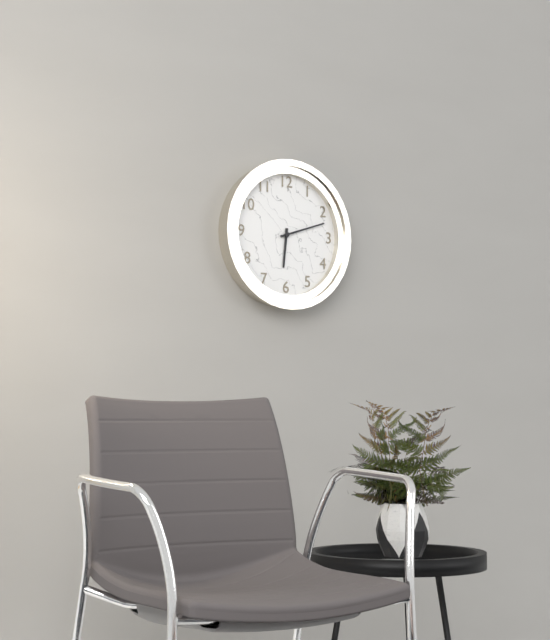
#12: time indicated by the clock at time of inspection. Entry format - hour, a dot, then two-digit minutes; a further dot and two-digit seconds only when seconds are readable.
6.12
